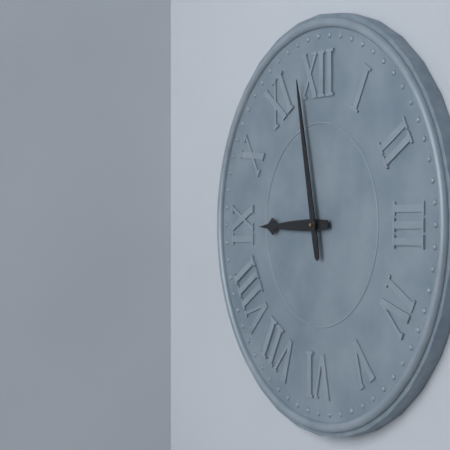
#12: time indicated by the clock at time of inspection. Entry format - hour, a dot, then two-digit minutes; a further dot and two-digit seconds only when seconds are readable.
8.58
